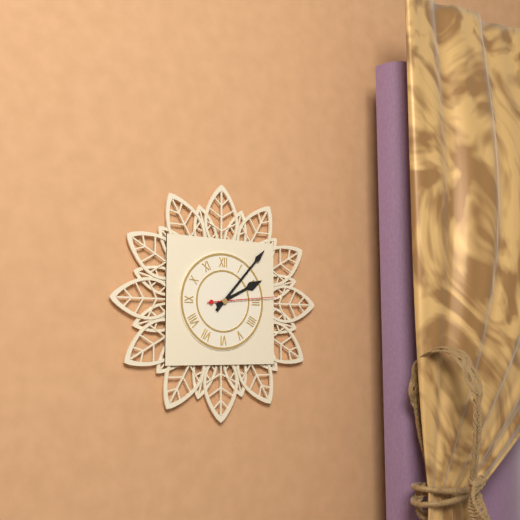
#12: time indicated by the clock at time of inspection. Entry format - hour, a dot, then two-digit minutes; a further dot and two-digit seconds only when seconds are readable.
2.07.14
